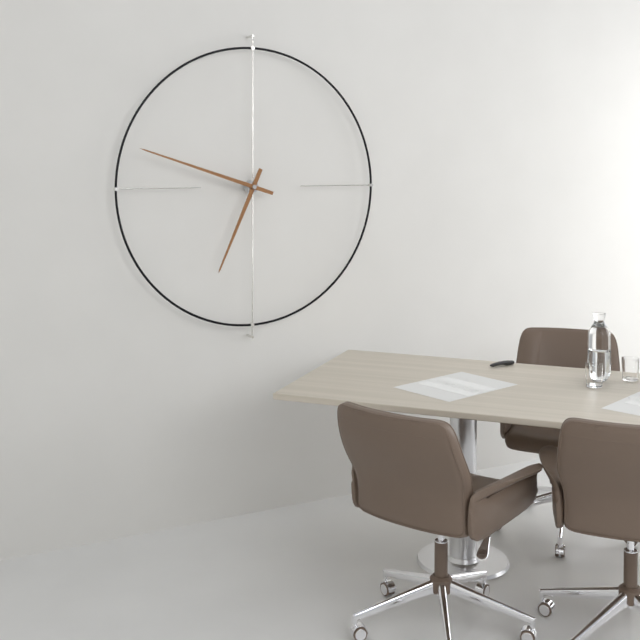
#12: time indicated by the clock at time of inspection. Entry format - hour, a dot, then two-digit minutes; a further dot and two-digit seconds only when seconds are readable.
6.48
